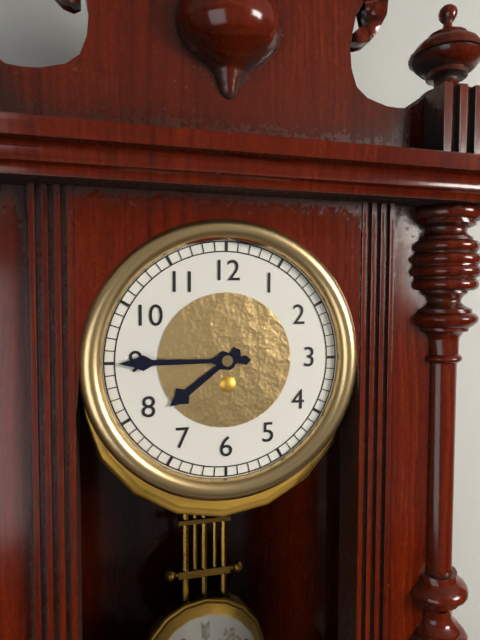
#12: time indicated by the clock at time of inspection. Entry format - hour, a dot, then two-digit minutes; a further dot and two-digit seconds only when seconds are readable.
7.45
